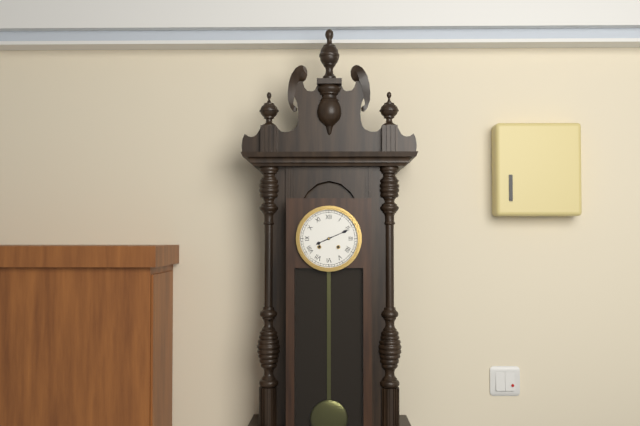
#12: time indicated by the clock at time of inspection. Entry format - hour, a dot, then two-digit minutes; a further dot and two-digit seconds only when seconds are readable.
8.11
